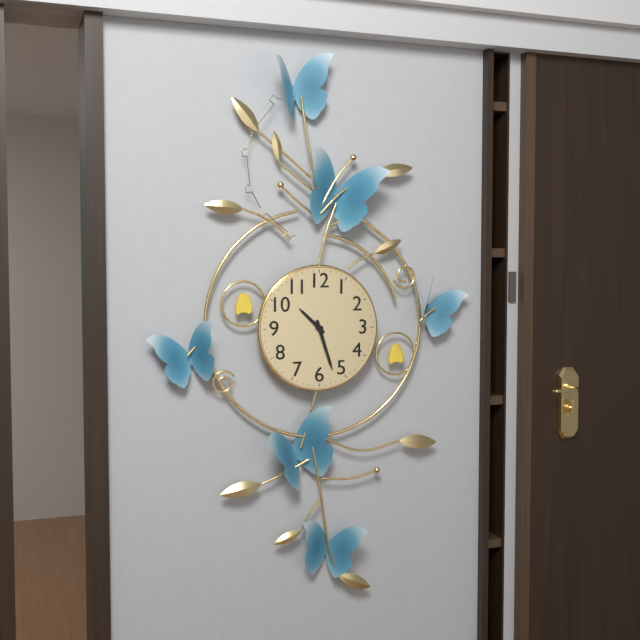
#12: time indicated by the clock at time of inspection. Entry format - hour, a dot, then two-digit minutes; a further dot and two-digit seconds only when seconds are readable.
10.27
